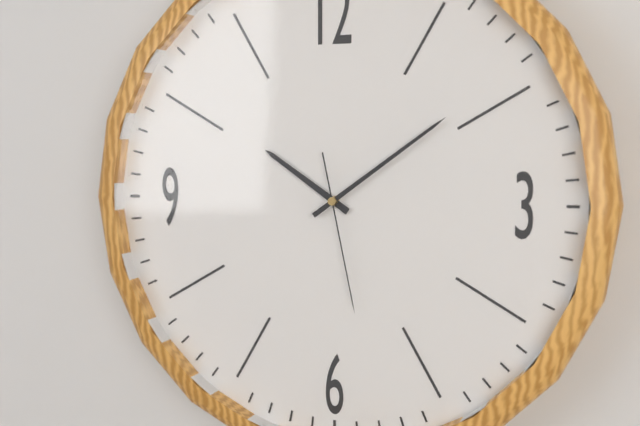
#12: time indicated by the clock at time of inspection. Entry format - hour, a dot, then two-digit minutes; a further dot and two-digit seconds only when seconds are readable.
10.09.28
